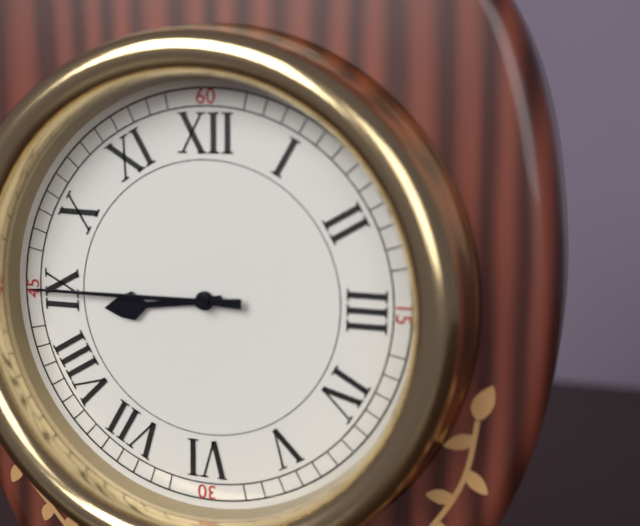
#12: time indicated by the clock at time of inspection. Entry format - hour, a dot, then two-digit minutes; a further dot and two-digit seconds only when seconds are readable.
8.45
